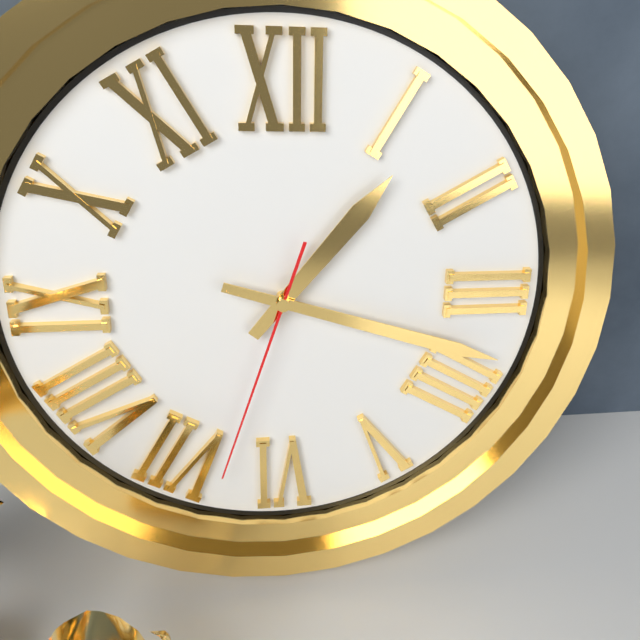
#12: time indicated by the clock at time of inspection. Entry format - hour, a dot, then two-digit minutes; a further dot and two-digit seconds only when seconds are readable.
1.18.33
